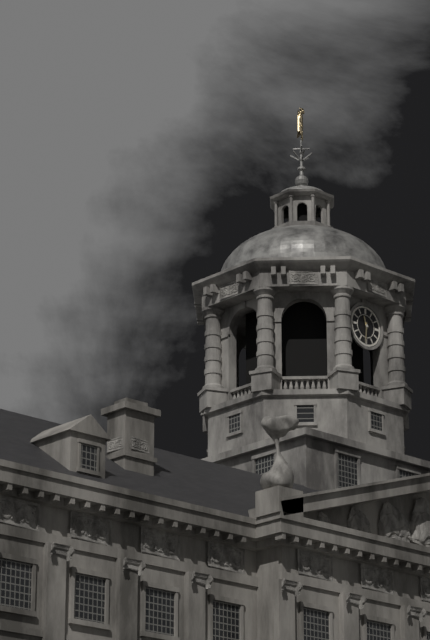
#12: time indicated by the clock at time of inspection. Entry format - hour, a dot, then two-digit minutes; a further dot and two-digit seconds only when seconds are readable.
11.31
